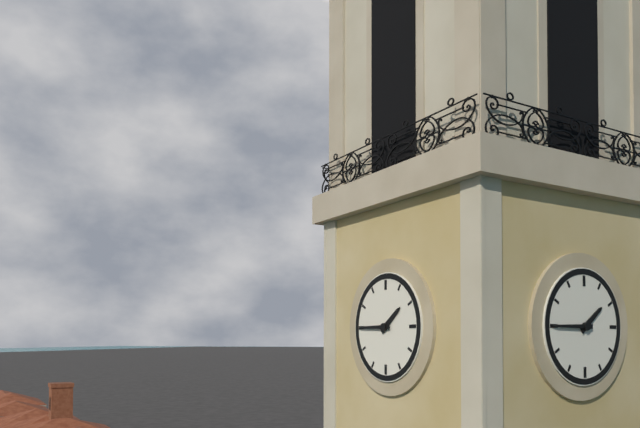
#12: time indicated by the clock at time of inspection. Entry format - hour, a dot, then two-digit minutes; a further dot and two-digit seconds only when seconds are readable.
1.45
